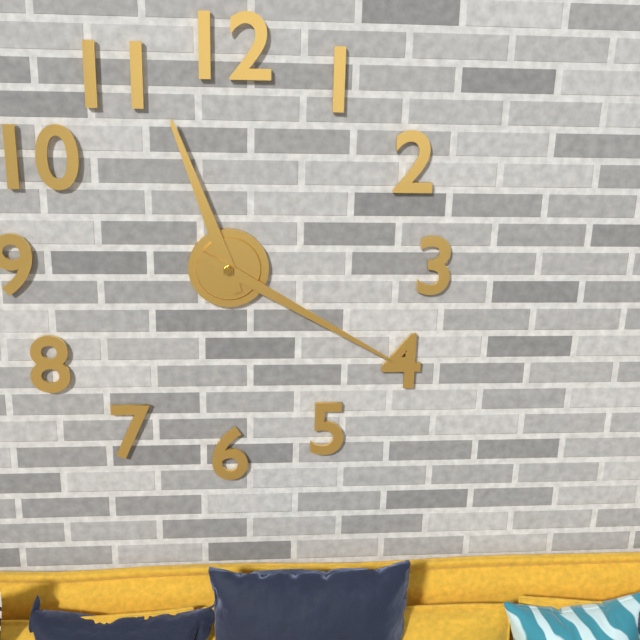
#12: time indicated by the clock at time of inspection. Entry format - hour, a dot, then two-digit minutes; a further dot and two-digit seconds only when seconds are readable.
11.20
